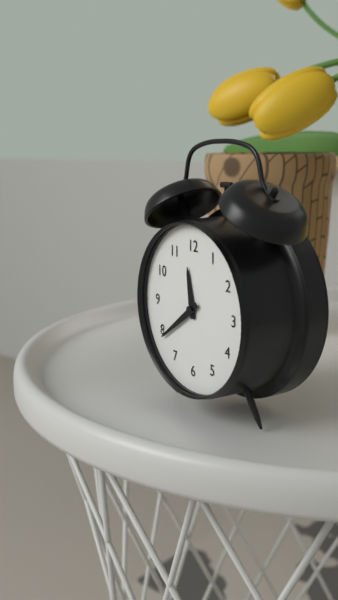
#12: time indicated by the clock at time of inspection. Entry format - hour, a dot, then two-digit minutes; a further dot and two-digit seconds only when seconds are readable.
11.39
